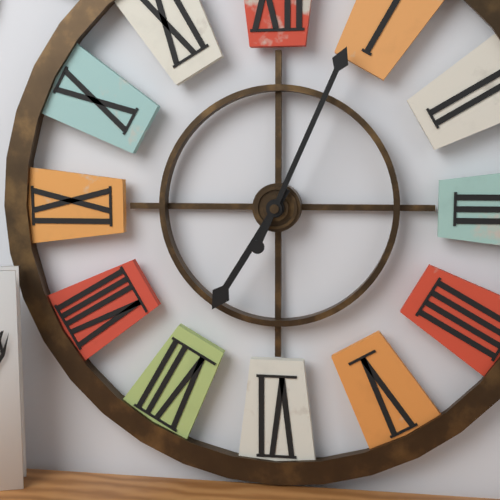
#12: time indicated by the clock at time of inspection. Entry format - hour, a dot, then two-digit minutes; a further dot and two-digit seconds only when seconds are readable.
7.04
